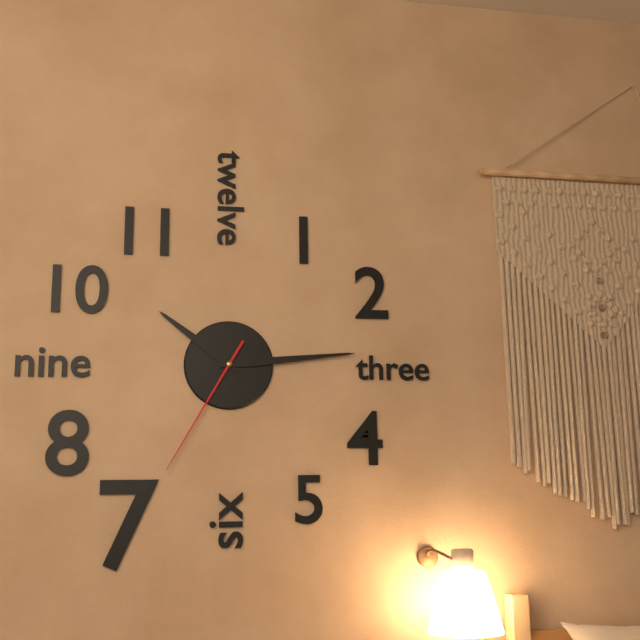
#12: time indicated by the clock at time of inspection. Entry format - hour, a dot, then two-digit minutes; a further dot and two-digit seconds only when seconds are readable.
10.14.35
